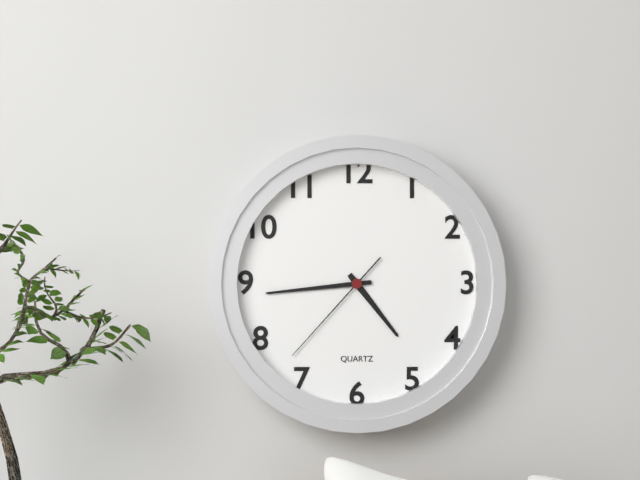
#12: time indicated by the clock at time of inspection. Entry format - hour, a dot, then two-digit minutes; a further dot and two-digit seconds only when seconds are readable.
4.44.37
